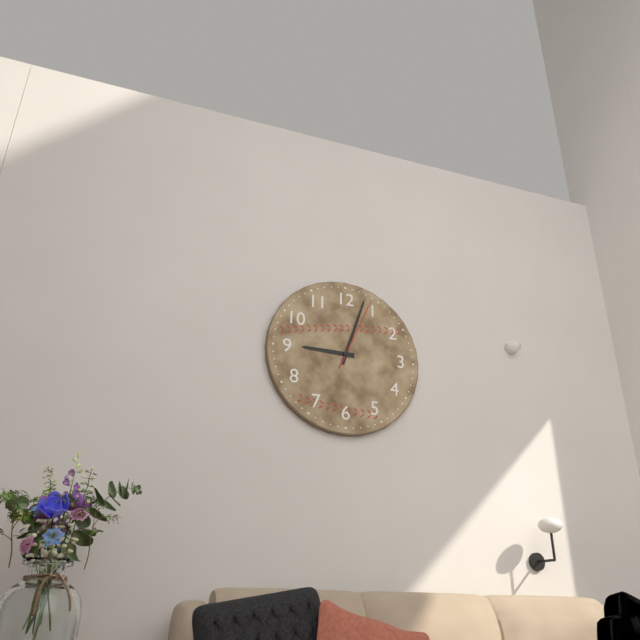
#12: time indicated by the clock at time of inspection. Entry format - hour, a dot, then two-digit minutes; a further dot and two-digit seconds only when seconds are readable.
9.03.04
